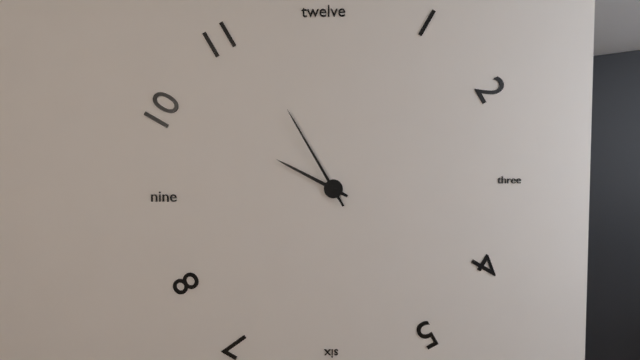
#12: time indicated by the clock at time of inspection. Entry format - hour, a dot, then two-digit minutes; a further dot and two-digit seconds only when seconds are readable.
9.55
